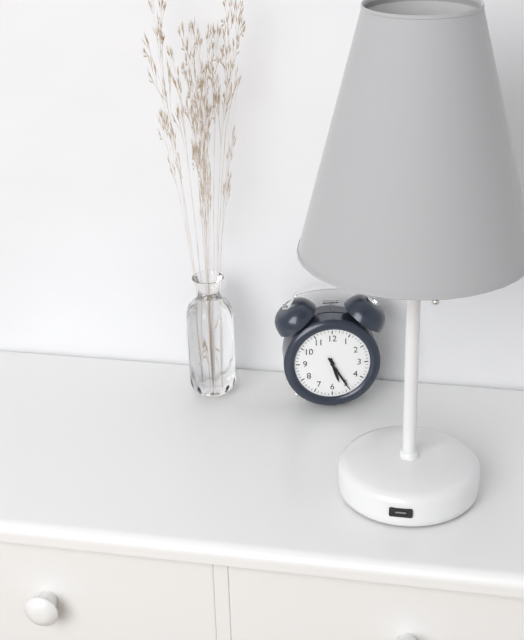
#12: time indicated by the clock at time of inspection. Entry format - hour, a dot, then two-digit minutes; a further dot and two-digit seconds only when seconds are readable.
5.25
